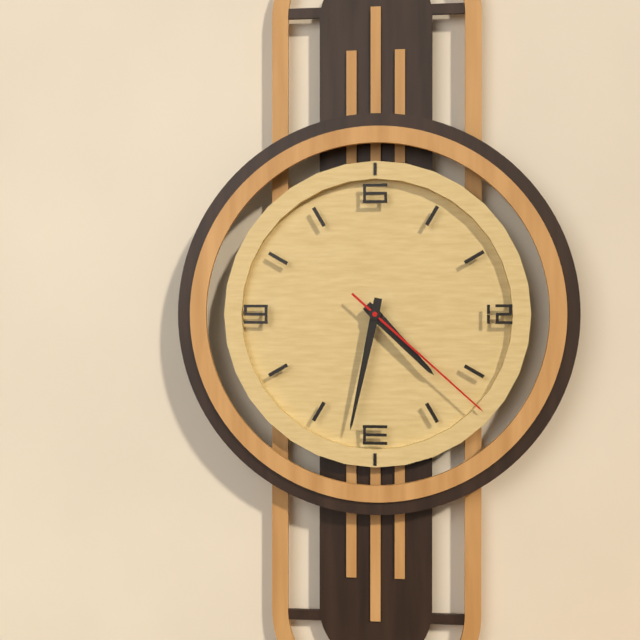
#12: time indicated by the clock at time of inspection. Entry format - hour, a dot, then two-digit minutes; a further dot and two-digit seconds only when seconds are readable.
4.32.22
